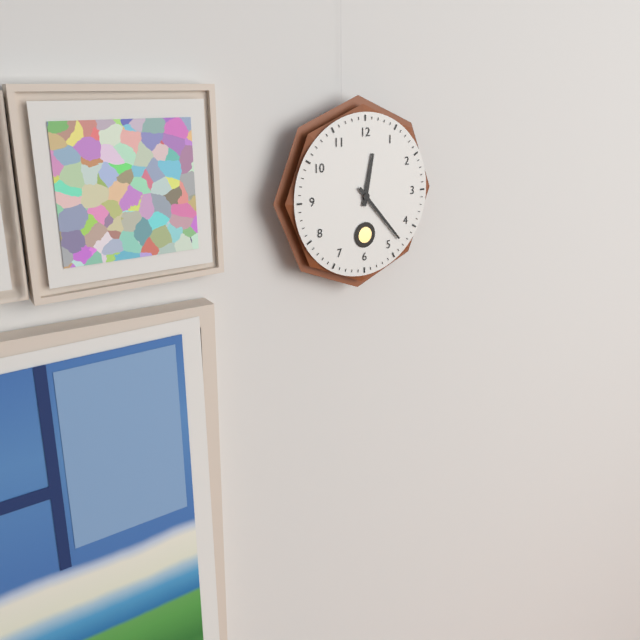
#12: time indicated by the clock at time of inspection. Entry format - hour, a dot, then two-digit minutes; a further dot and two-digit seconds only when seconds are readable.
12.23
